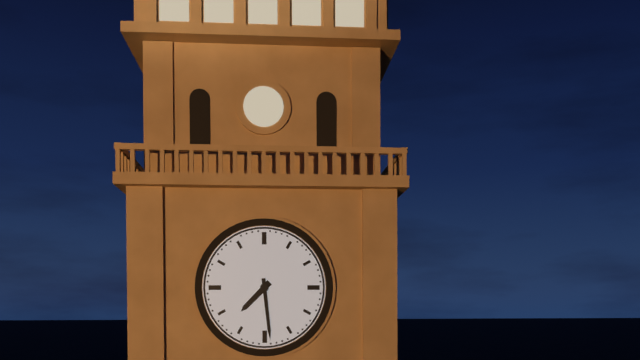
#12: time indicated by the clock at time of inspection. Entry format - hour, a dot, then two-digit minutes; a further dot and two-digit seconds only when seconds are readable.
7.29
